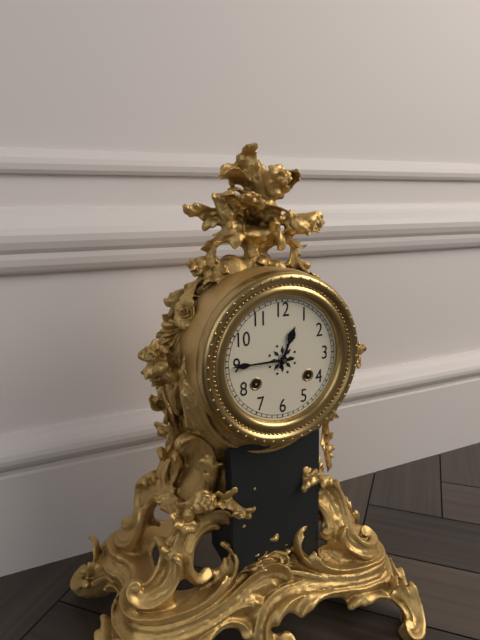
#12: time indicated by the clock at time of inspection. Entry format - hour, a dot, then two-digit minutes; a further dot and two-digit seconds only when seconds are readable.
12.45
